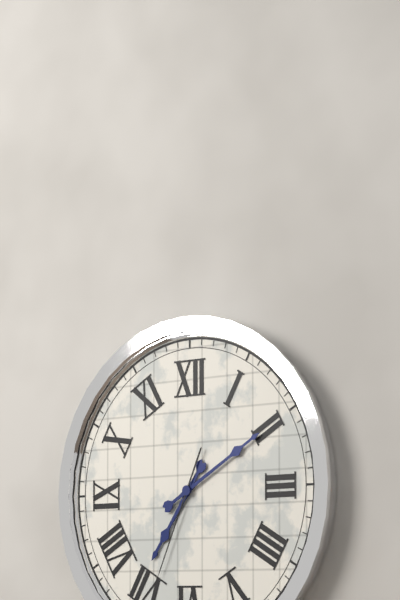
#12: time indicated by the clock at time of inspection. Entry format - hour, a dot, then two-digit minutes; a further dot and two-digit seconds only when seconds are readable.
7.10.34
